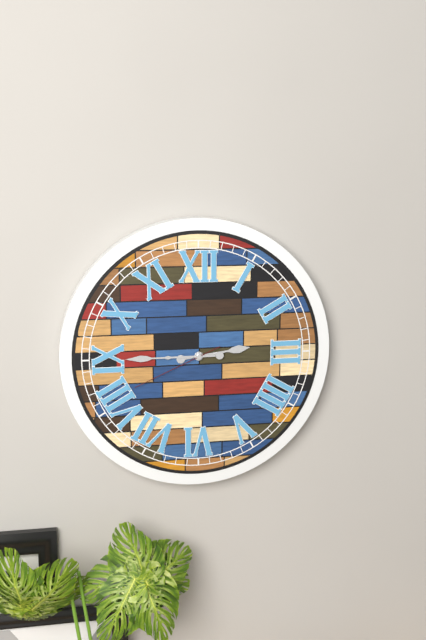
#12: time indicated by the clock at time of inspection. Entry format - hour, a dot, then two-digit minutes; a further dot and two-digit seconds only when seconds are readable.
2.45.41
